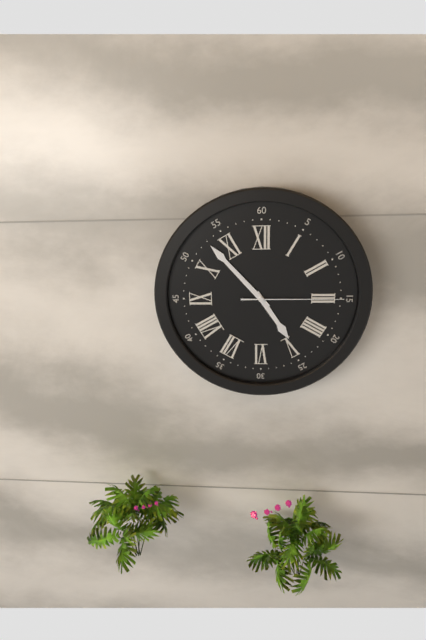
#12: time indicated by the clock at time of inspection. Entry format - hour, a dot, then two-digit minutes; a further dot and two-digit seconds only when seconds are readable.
4.53.15
